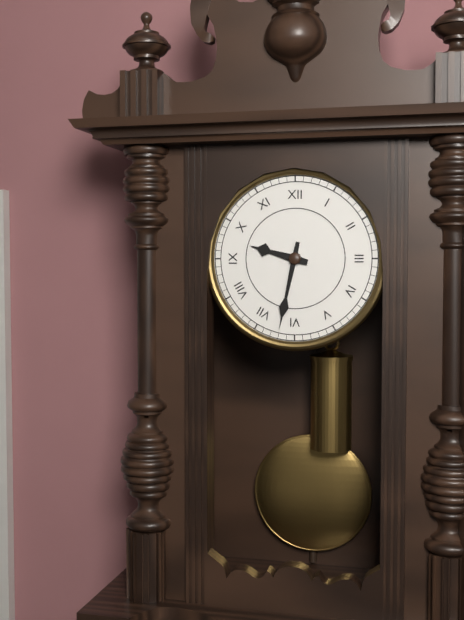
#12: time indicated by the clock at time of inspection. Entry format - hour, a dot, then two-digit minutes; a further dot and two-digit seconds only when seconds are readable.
9.32
